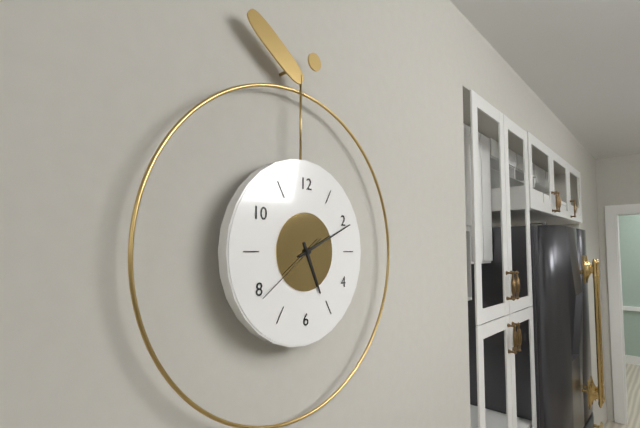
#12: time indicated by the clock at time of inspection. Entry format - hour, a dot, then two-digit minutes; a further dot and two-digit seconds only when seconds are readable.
5.11.39
